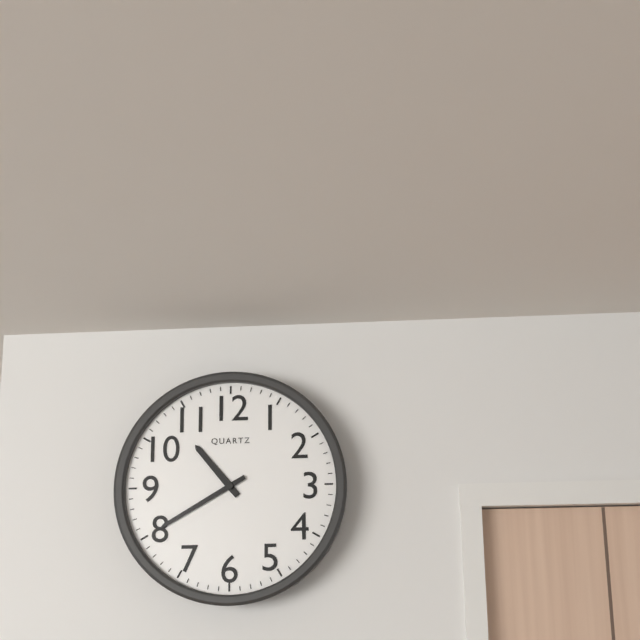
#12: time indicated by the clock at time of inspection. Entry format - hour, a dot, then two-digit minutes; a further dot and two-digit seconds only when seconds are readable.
10.40
